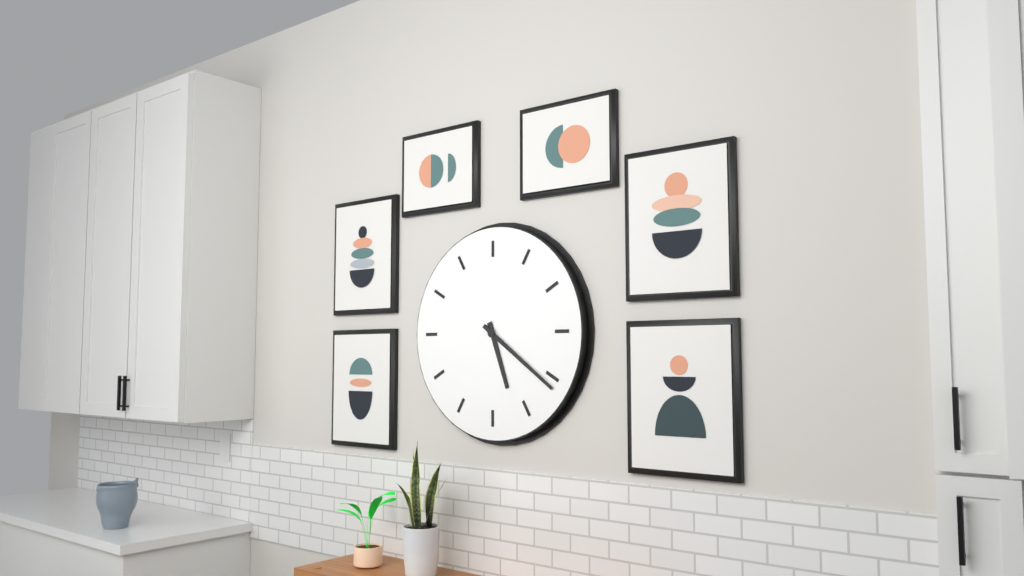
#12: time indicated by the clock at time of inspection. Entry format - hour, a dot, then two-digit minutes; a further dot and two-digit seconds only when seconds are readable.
5.21
